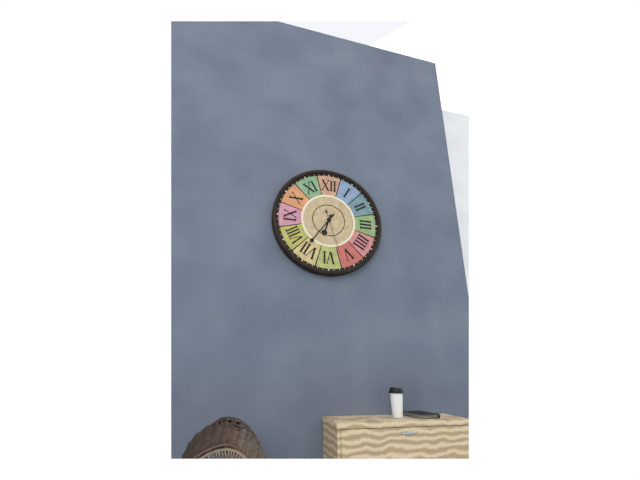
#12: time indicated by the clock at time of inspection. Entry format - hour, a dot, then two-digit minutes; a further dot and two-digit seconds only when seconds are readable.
6.36
